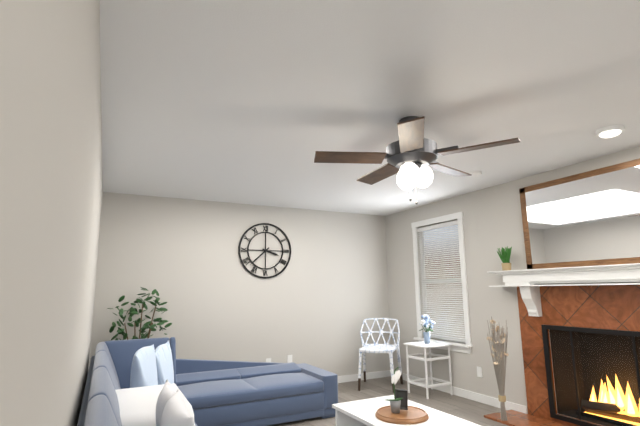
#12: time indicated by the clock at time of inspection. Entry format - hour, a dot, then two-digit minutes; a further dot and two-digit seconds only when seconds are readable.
3.38
